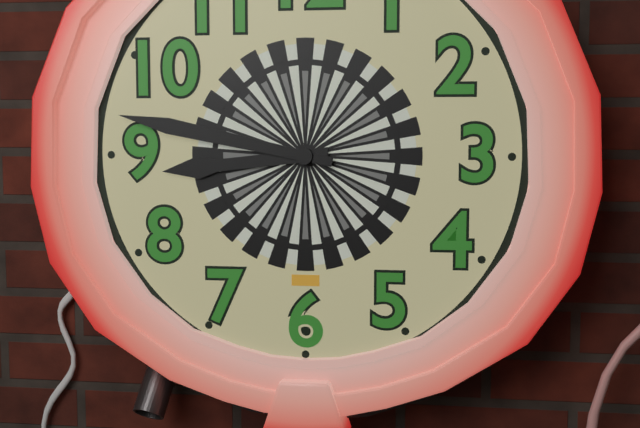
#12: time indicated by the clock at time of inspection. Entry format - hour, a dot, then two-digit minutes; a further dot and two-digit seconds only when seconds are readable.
8.47
